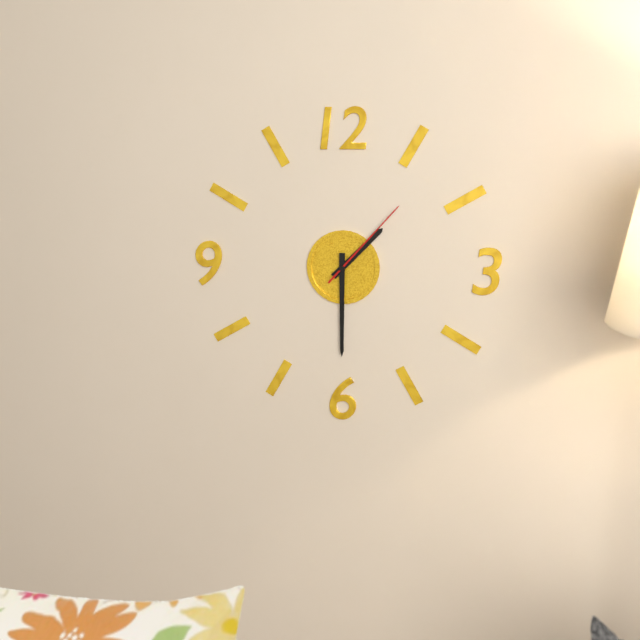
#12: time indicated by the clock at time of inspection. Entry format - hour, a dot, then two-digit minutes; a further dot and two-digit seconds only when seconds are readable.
1.30.07
